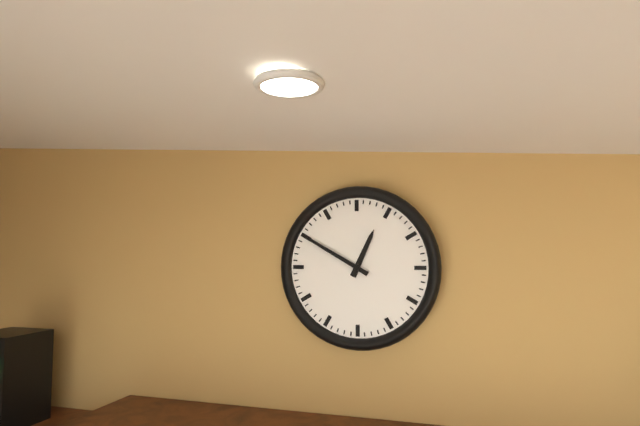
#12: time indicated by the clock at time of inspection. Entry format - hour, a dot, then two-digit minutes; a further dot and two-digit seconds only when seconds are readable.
12.50
